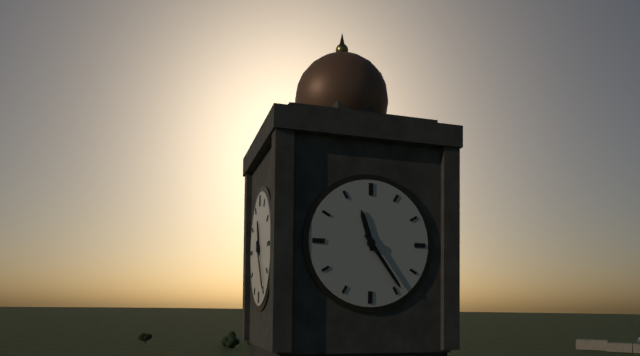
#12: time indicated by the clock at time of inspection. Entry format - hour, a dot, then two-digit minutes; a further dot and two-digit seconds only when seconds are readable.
11.24
